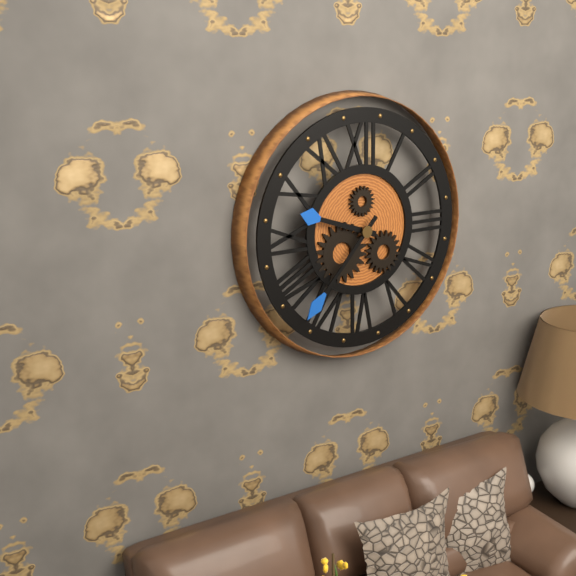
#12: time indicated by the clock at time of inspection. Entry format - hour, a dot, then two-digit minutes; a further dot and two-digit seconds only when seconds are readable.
9.37
